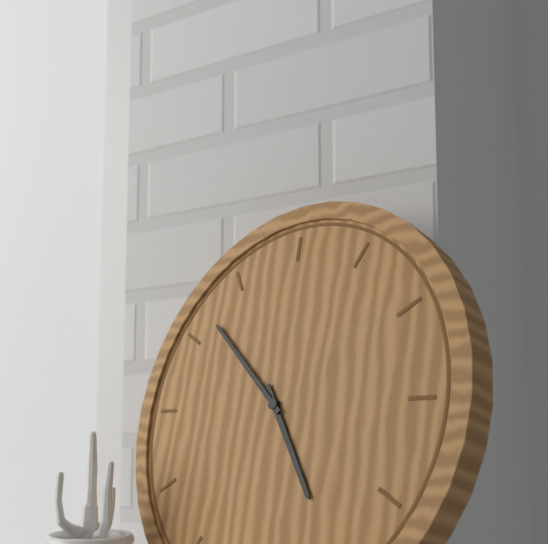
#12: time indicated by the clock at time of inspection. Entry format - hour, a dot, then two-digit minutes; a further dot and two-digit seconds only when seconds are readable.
4.52
